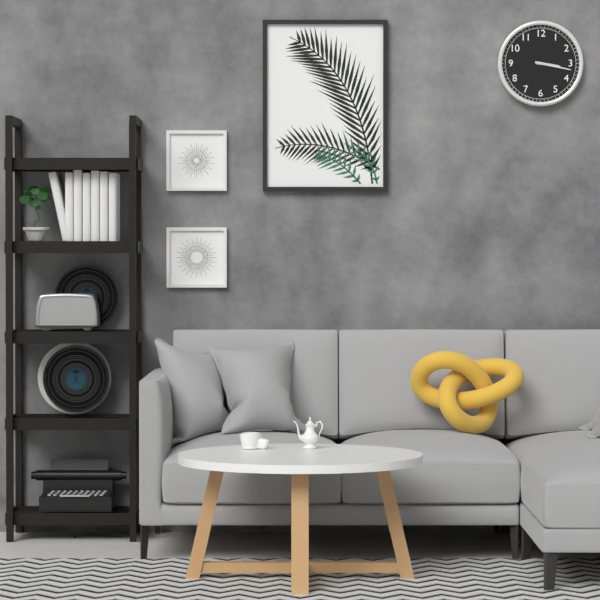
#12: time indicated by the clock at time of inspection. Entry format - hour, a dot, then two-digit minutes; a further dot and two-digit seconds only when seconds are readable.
3.17
